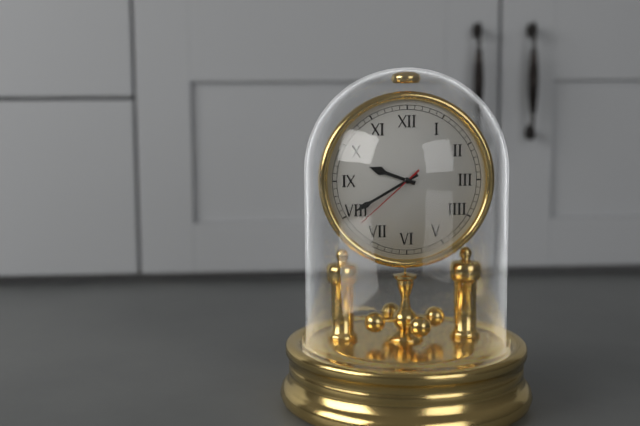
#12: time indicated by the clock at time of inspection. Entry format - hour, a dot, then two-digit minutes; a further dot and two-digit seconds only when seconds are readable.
9.40.38
